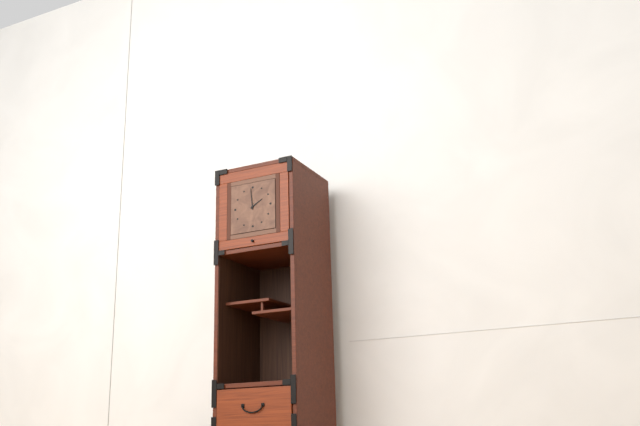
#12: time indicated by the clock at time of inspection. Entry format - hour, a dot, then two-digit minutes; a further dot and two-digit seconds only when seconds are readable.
1.59
